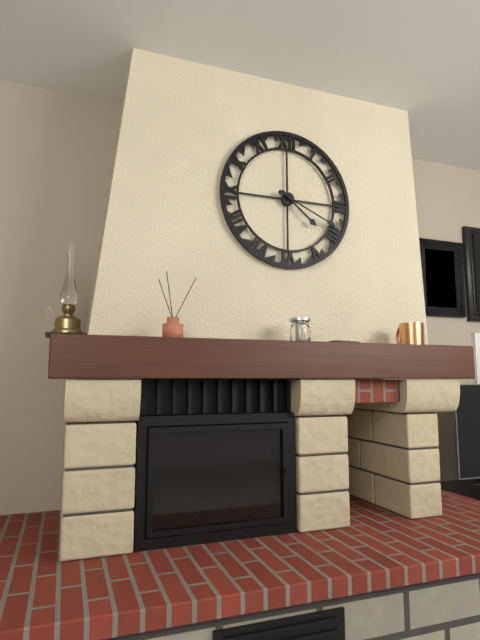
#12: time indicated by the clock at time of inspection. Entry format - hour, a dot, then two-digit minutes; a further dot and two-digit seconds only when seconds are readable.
4.19
